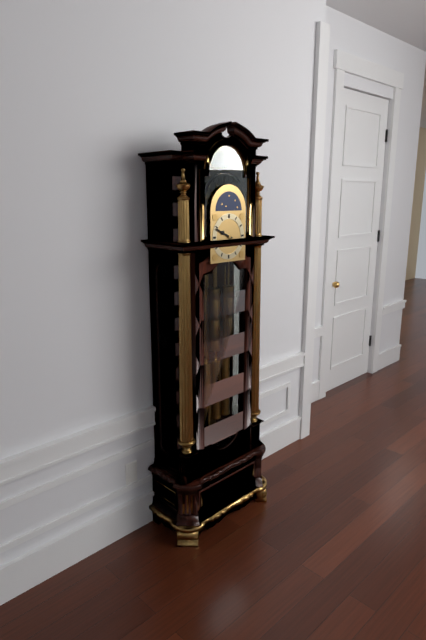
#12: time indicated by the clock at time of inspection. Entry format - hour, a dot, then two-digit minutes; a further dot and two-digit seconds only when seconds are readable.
9.49
